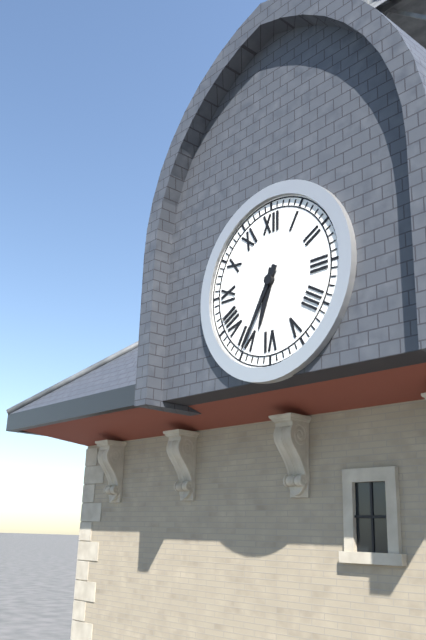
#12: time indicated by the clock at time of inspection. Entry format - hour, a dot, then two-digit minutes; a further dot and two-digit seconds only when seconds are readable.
6.35
